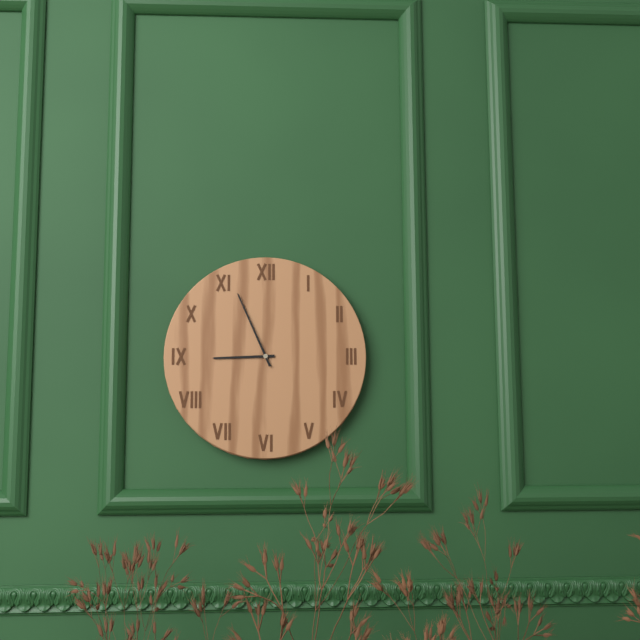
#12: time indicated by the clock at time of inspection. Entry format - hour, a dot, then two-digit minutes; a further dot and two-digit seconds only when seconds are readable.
8.56
